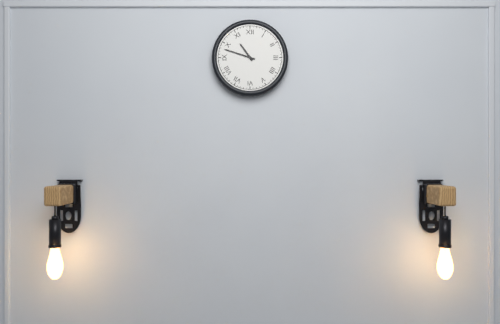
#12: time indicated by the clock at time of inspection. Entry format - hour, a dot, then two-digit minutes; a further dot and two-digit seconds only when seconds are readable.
10.48
